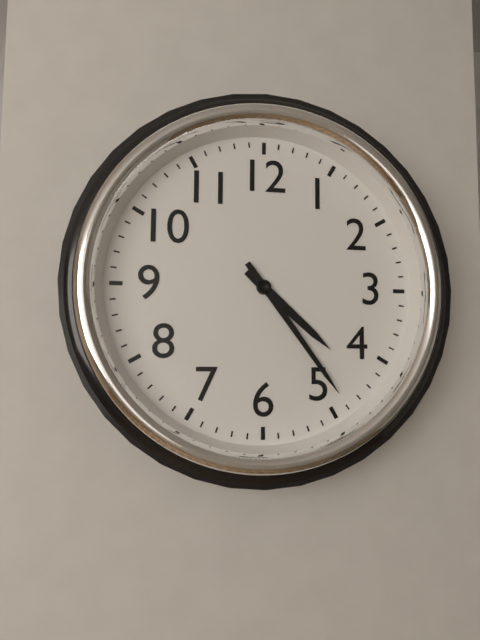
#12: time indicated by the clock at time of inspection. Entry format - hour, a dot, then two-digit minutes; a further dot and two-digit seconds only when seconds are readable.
4.24
